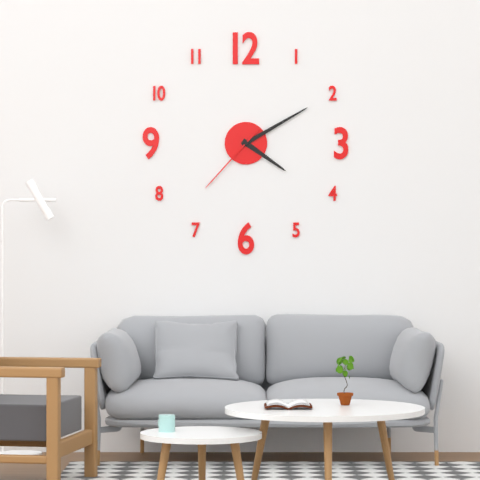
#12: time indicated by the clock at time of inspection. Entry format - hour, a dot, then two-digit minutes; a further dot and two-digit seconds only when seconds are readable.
4.10.37
